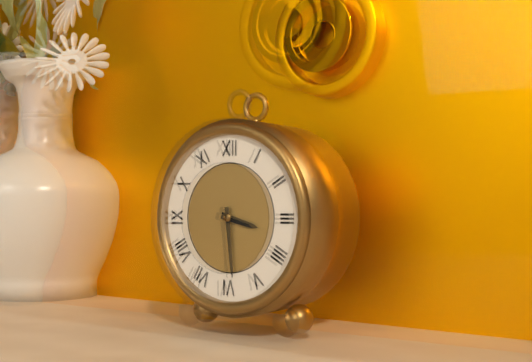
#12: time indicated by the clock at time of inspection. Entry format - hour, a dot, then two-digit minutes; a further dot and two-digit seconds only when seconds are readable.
3.29
